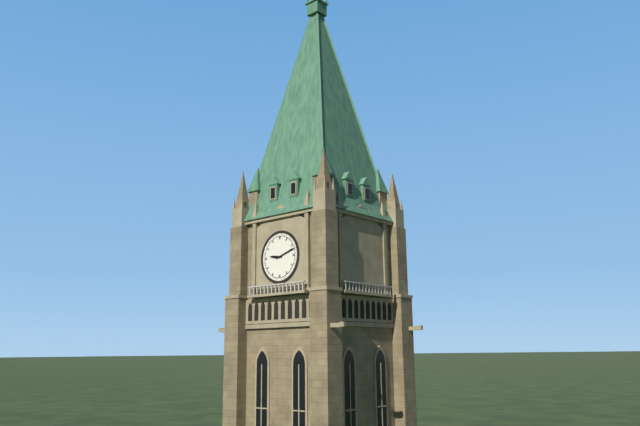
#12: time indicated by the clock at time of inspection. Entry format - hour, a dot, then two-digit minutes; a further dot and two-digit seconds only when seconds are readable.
9.12
